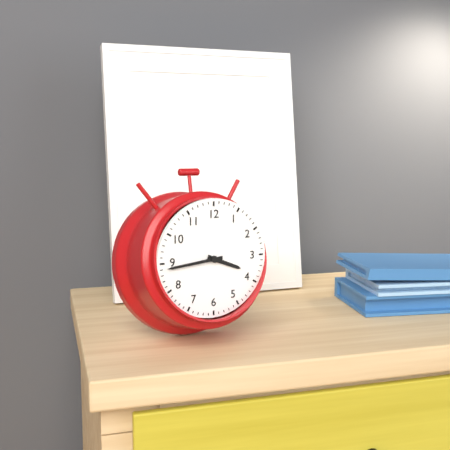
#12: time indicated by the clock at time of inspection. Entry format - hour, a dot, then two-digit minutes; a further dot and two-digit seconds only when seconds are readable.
3.44
